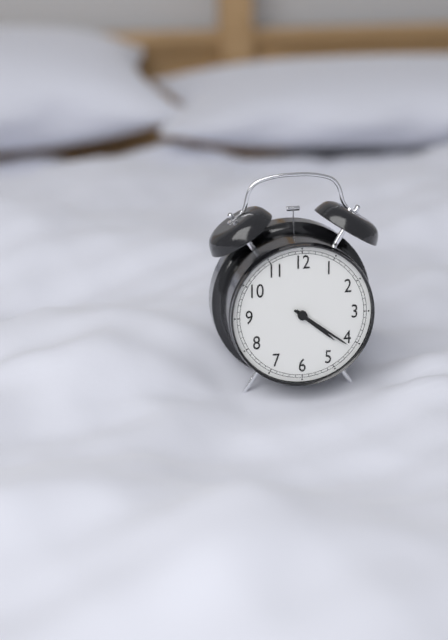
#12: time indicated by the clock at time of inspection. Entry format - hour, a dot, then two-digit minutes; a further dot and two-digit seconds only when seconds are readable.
4.21
